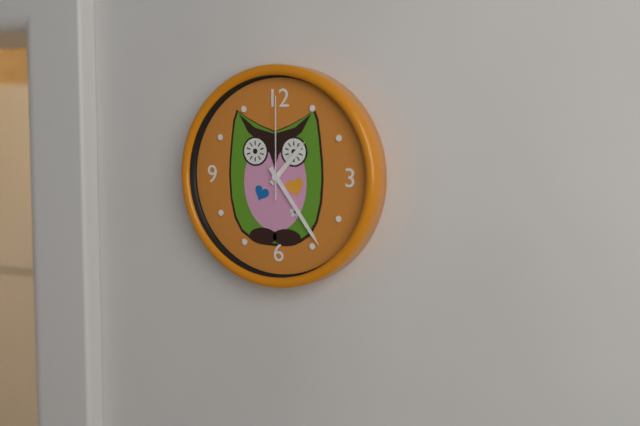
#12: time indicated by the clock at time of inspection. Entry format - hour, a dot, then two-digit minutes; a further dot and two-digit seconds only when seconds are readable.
1.24.00
